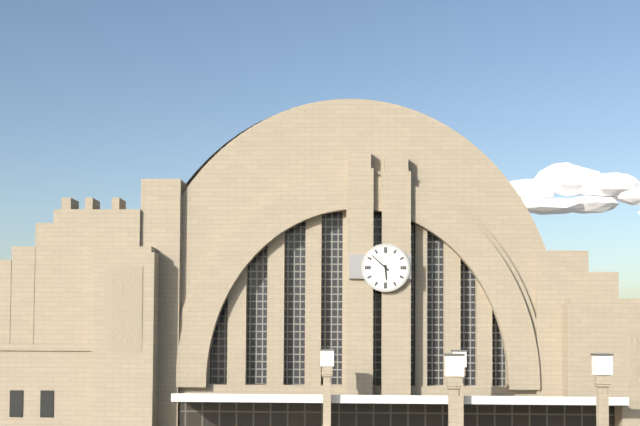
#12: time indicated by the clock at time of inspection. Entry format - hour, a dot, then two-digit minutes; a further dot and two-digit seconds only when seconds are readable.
5.52
